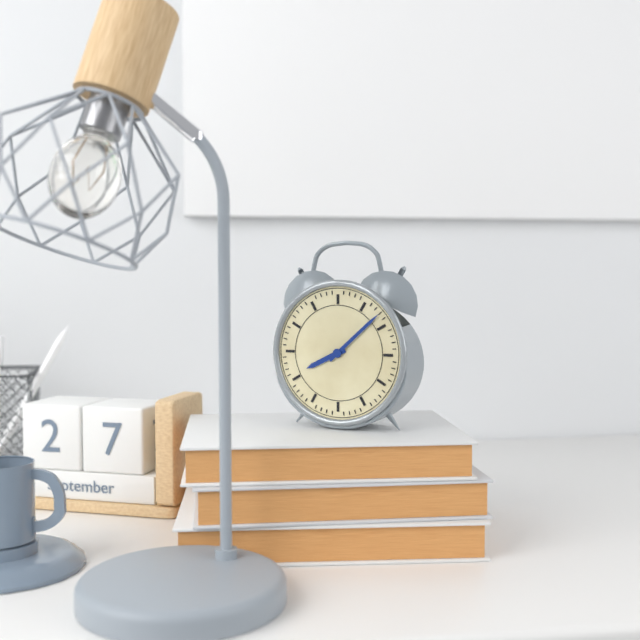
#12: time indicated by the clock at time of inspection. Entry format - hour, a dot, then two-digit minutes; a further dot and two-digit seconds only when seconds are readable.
8.08
